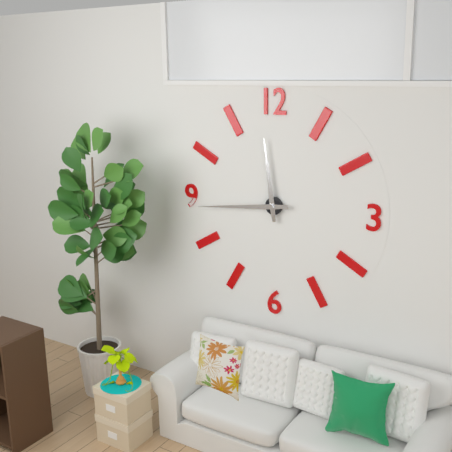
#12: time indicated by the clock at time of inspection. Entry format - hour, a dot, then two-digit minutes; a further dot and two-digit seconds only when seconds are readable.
11.44
